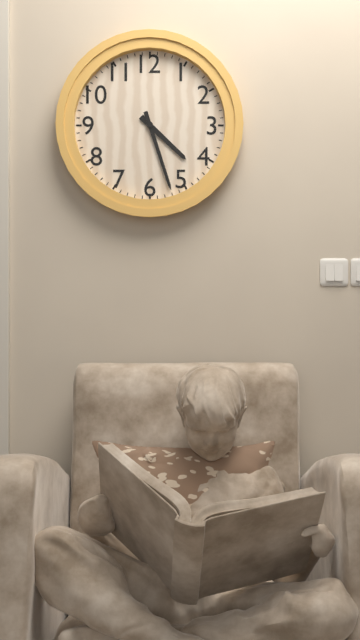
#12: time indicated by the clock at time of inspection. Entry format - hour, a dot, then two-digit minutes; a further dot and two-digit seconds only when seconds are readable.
4.27
